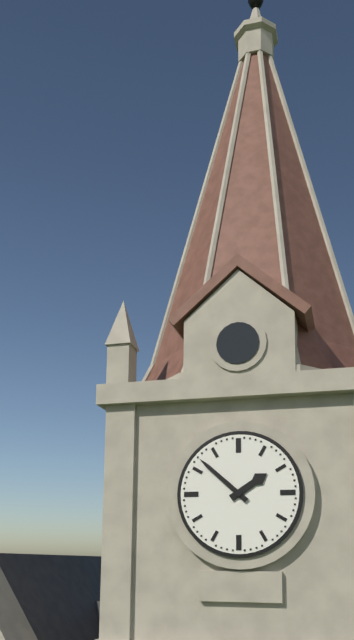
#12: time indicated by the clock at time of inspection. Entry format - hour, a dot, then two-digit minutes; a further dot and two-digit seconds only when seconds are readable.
1.52
